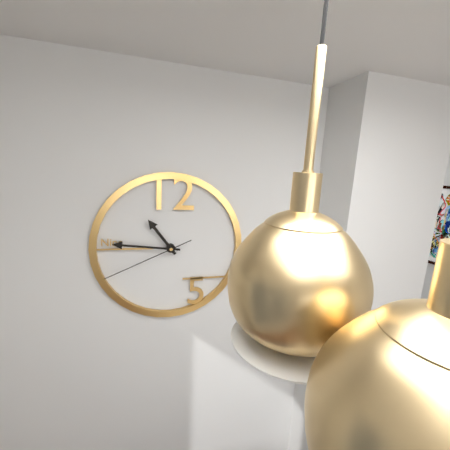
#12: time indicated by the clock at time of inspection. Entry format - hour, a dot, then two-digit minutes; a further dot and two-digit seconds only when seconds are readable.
10.46.41
